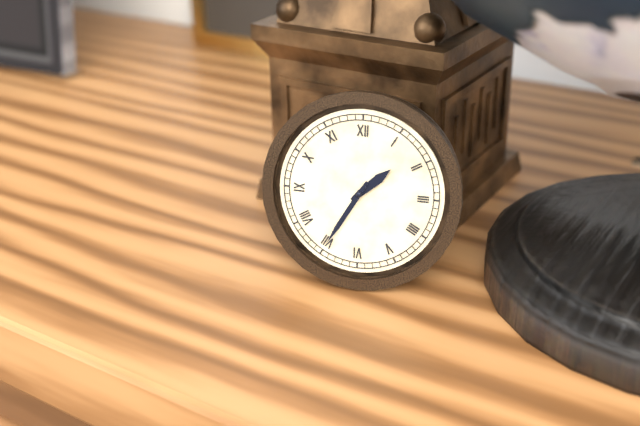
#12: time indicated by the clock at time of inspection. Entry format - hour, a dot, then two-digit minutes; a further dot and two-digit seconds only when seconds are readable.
1.35
